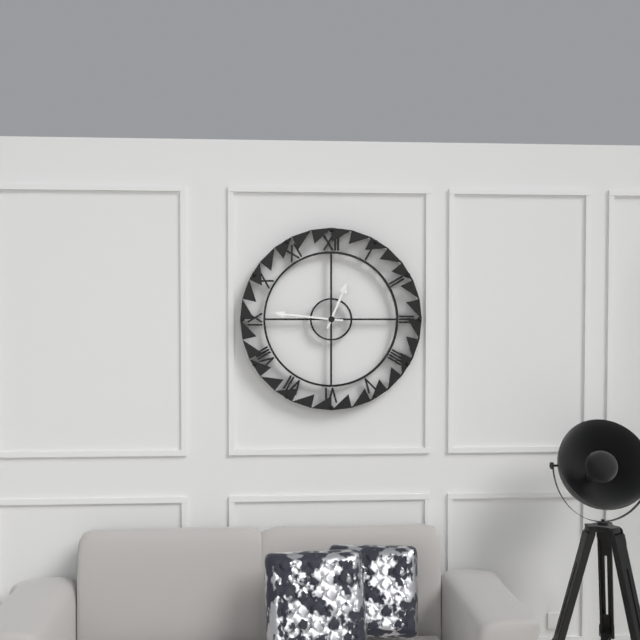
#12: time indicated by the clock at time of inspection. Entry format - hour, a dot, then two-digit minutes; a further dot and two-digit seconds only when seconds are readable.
12.46
